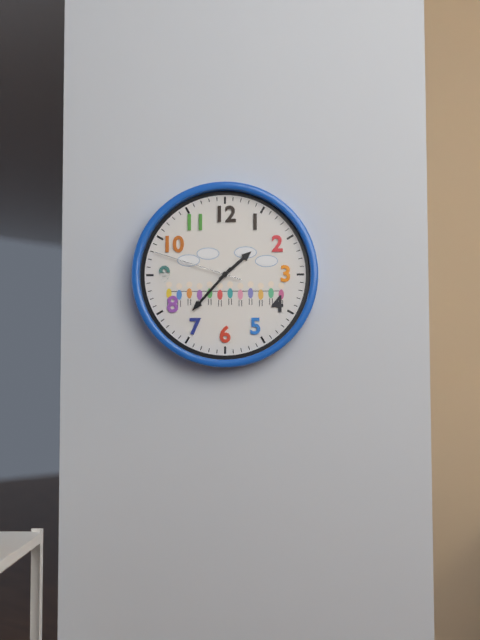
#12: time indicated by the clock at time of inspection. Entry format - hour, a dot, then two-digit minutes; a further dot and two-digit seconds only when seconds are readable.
1.37.48
